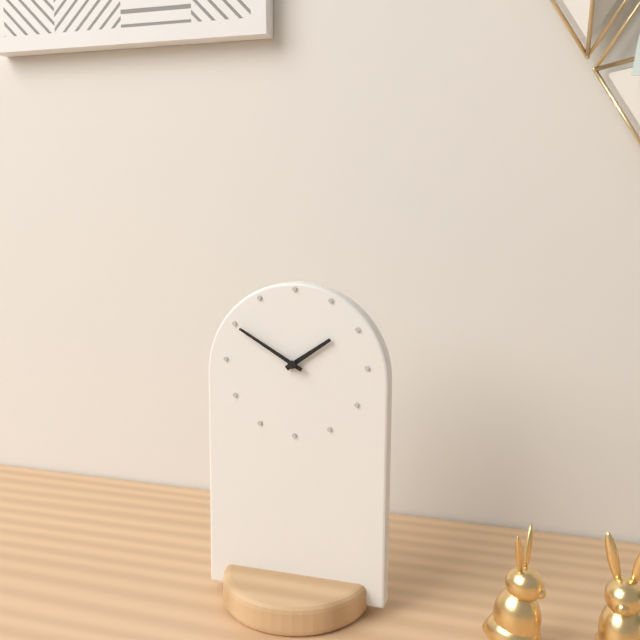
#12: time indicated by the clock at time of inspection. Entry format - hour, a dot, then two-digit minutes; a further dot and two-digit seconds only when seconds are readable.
1.50
